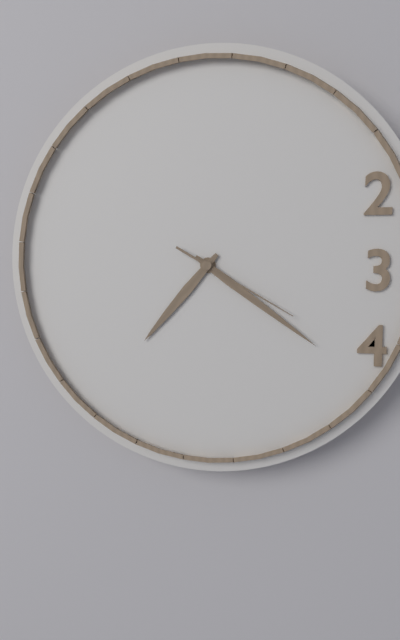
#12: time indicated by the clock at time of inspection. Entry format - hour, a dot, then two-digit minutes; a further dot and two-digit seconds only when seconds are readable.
7.21.20
